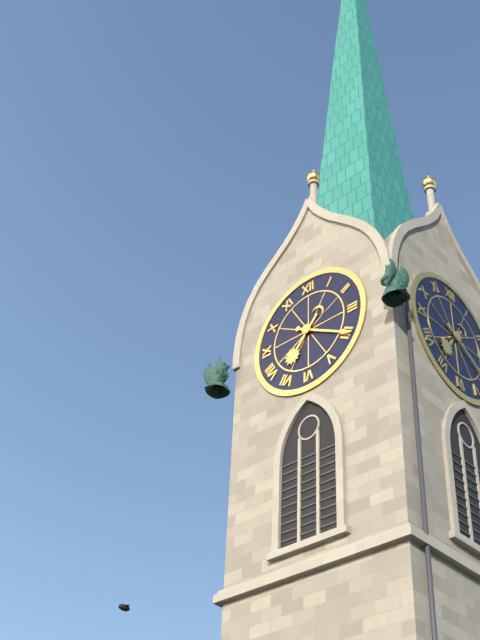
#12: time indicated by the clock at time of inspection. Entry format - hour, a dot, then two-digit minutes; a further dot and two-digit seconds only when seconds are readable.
7.20
